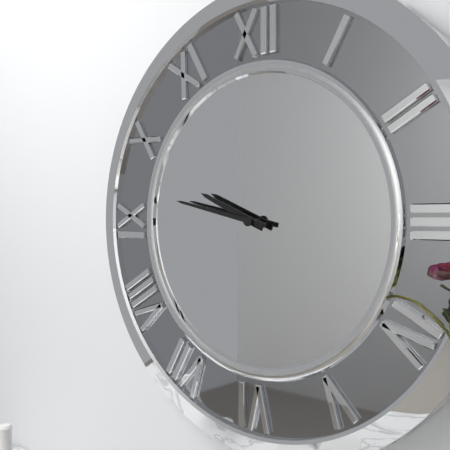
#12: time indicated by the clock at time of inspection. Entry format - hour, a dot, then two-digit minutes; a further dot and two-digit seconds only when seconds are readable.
9.47
